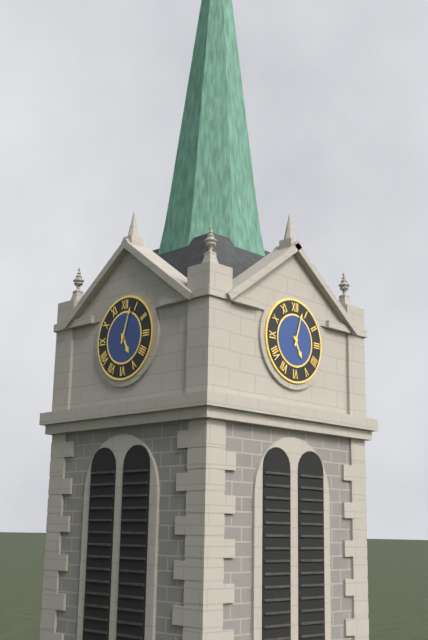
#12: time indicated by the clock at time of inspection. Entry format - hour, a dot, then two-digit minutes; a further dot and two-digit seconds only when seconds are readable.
5.03
